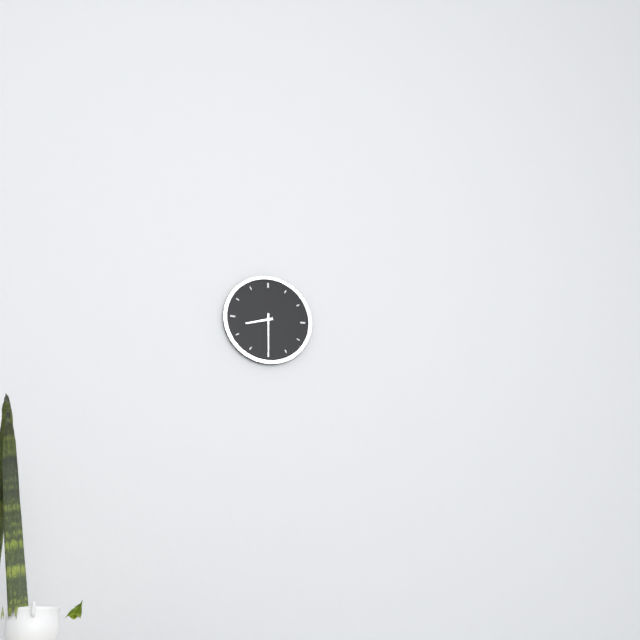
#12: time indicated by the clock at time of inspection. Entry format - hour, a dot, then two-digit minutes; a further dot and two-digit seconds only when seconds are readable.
8.30
